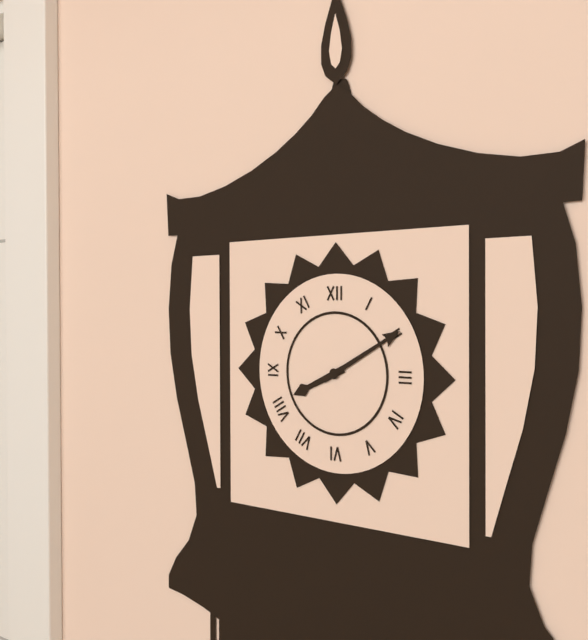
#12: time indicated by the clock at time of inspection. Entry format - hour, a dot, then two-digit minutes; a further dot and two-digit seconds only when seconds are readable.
8.10
